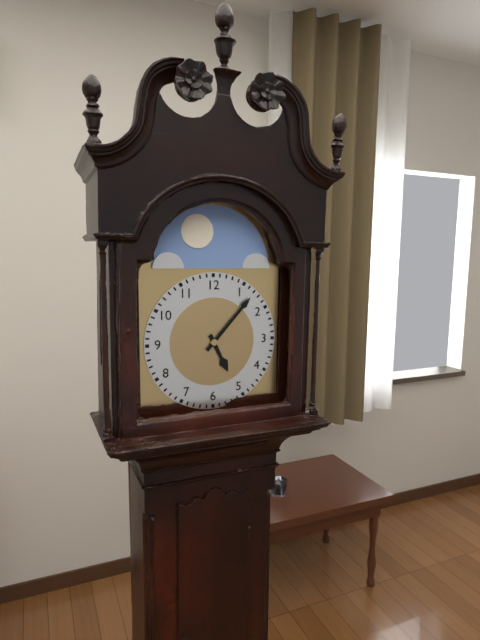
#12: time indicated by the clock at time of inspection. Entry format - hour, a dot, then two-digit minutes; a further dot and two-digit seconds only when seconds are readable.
5.07
